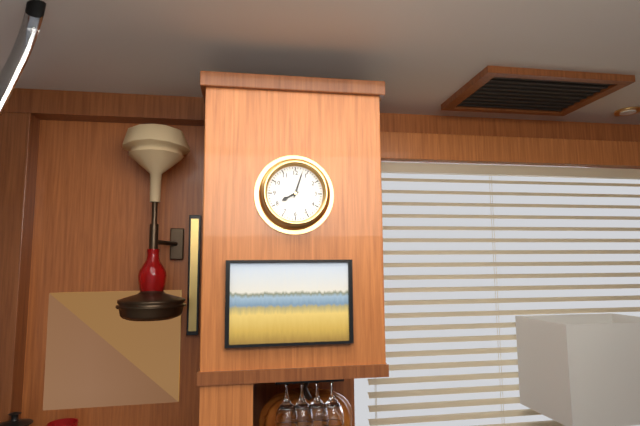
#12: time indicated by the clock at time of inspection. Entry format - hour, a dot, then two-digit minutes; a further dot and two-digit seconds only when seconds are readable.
8.03
